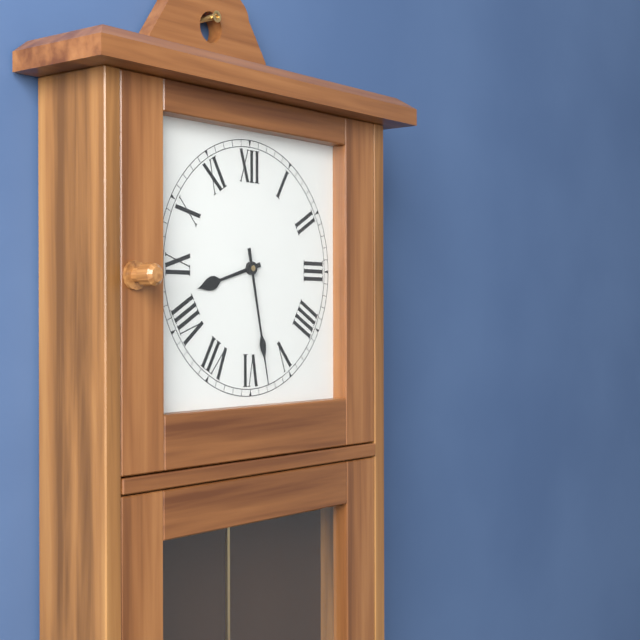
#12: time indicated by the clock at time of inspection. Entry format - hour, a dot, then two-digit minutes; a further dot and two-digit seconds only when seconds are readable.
8.28
